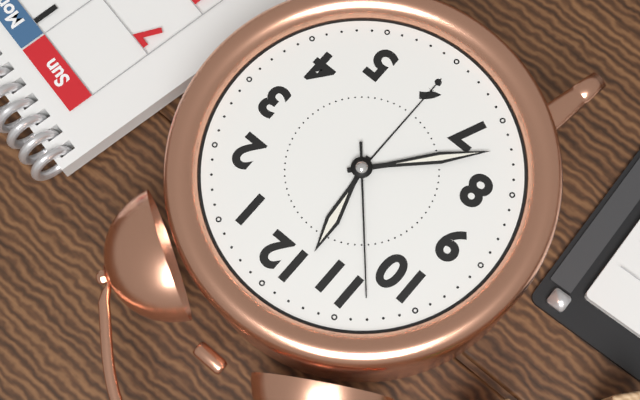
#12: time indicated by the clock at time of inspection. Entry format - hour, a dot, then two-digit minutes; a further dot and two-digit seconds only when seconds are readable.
11.37.53
